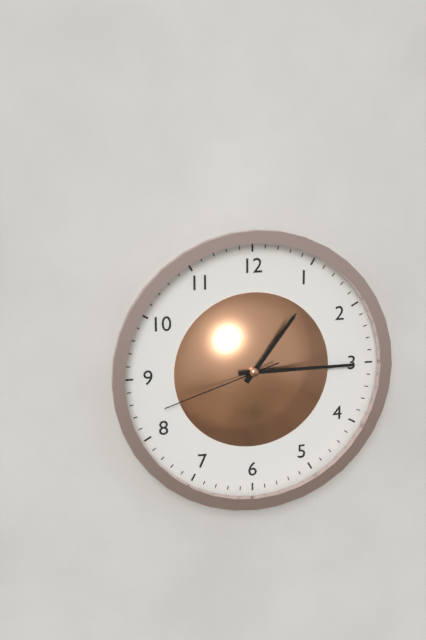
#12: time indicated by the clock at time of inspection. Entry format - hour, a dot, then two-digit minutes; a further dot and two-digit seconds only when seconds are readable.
1.15.42
